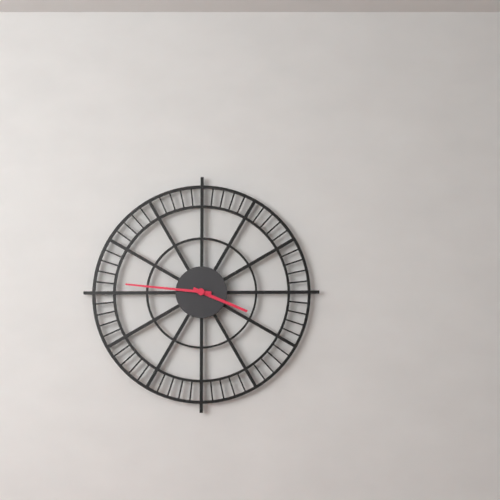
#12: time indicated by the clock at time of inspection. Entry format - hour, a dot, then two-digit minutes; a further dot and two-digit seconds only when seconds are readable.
3.46
